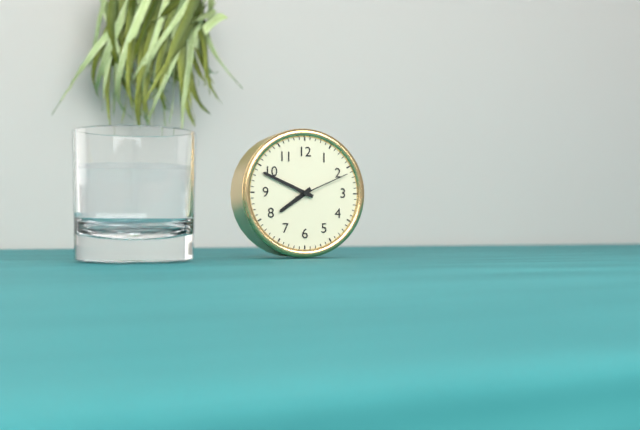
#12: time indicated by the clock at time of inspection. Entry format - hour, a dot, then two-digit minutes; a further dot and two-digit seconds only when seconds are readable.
7.49.11
